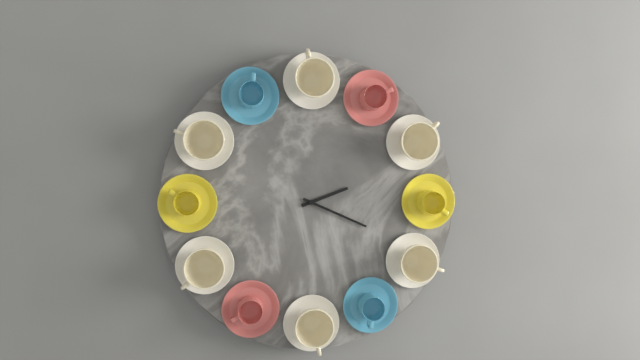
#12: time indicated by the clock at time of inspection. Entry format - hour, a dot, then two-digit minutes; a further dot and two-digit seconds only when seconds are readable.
2.19
